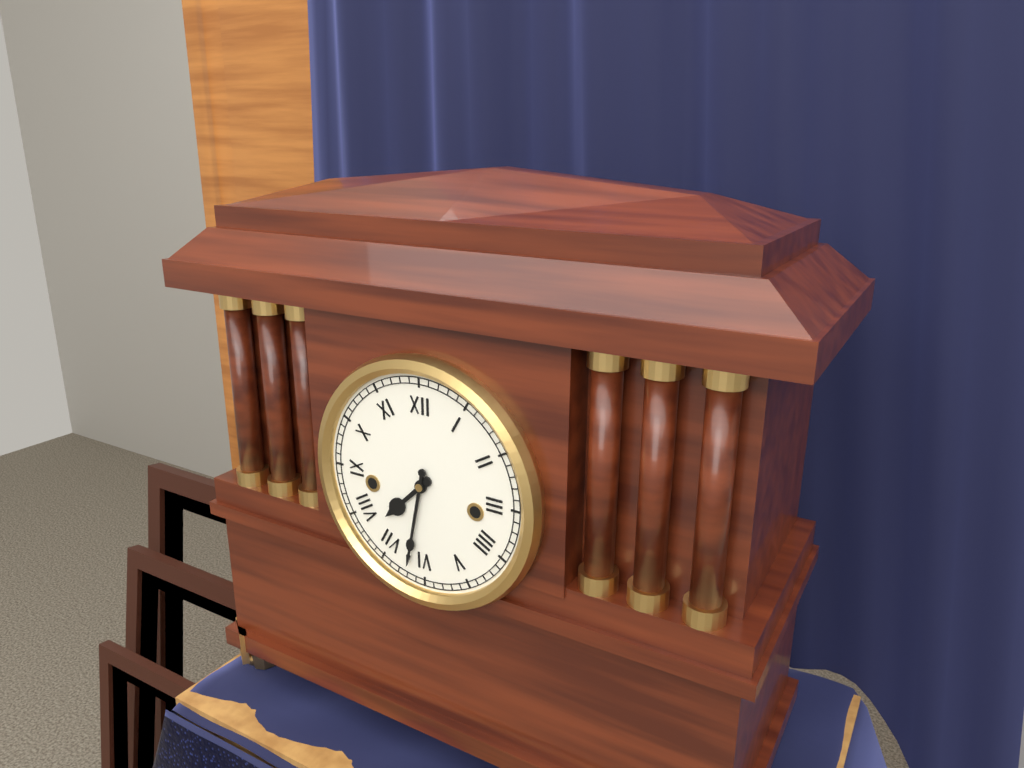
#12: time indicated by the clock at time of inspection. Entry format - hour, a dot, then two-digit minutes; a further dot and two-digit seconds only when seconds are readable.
7.32
